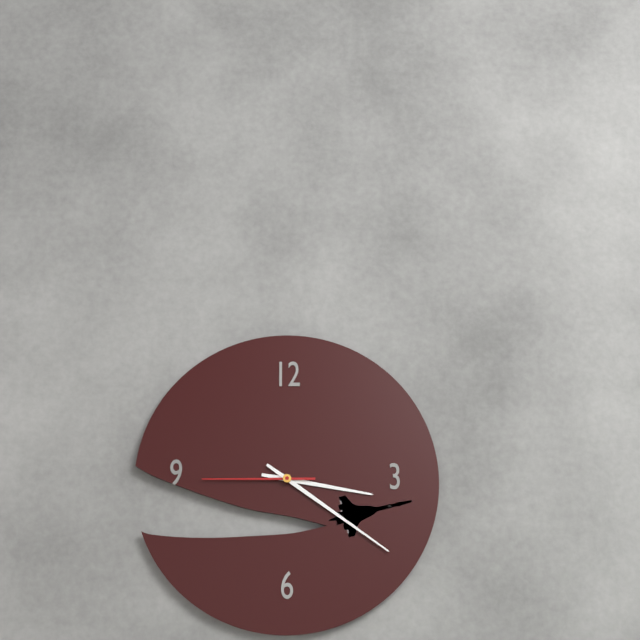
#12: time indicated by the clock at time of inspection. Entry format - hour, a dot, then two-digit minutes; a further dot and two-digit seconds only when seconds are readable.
3.21.45
